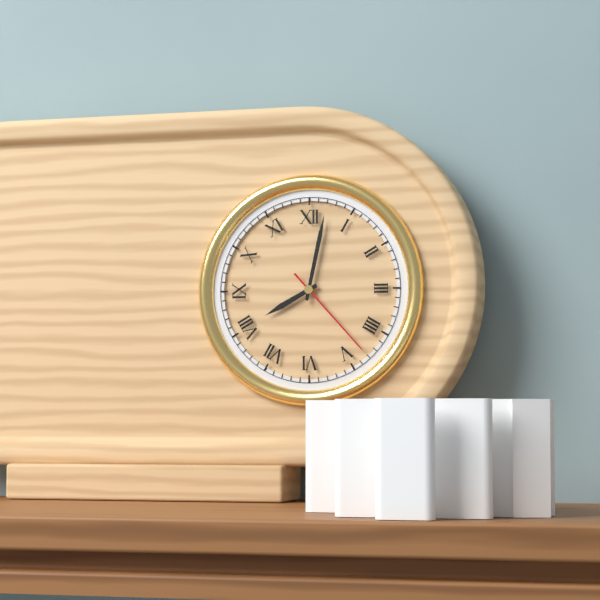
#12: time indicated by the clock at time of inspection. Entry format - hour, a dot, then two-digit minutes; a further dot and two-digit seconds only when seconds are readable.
8.02.23
